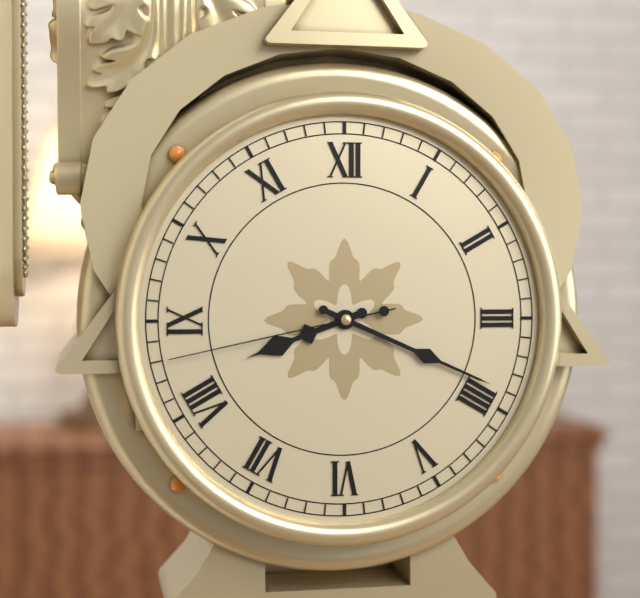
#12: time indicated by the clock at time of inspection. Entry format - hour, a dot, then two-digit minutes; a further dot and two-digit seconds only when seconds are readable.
8.19.43
